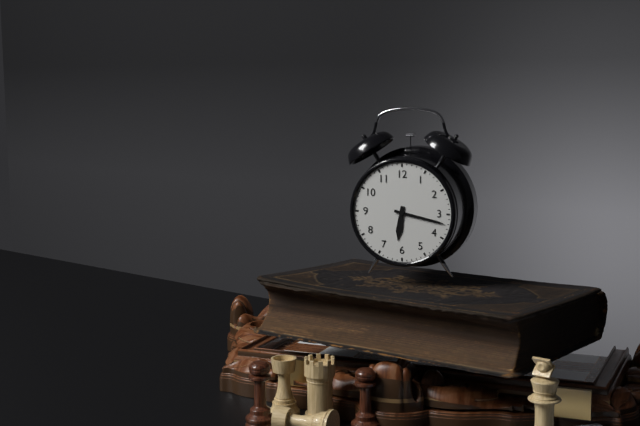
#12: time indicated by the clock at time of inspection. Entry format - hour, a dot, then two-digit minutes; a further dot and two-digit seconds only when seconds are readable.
6.17
